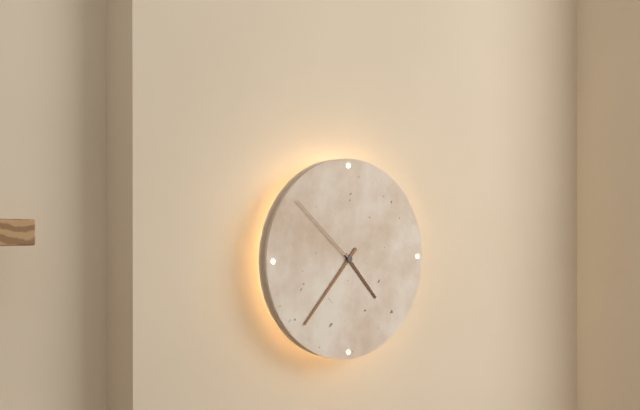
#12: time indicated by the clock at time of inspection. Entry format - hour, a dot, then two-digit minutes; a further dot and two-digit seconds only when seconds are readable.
4.37.52
